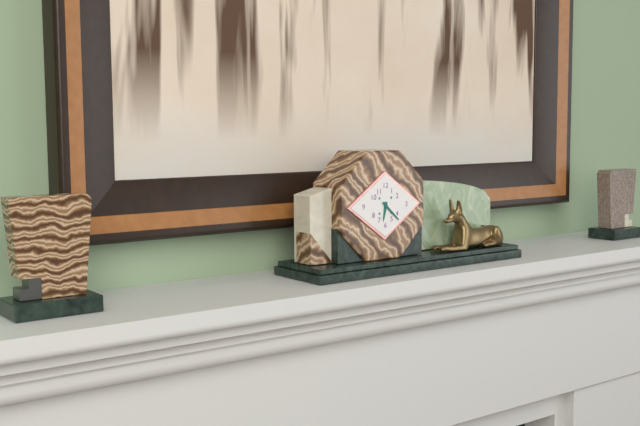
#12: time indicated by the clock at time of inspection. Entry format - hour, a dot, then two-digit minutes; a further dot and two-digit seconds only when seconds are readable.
6.22
